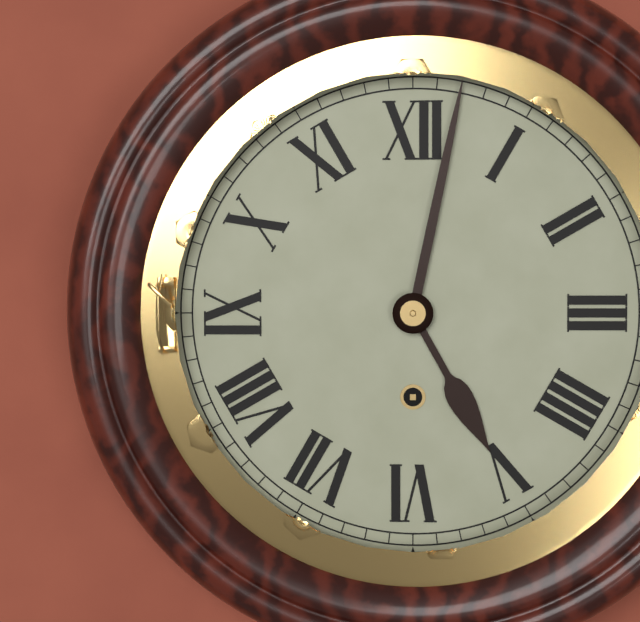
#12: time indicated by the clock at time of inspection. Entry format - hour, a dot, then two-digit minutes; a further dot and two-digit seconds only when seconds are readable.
5.02
